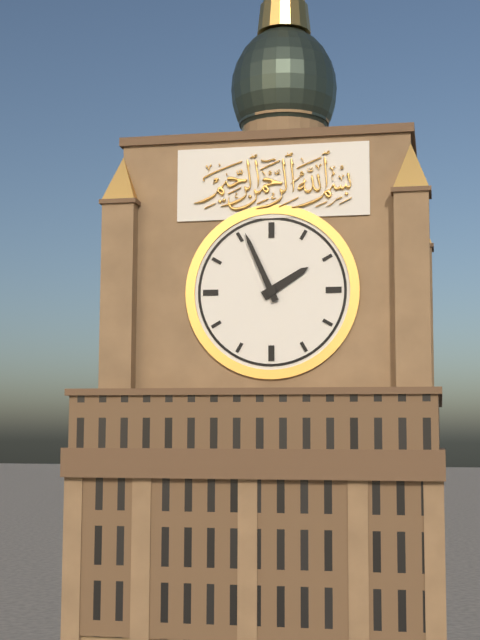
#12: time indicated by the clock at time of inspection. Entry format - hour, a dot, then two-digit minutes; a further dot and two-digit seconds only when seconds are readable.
1.56
